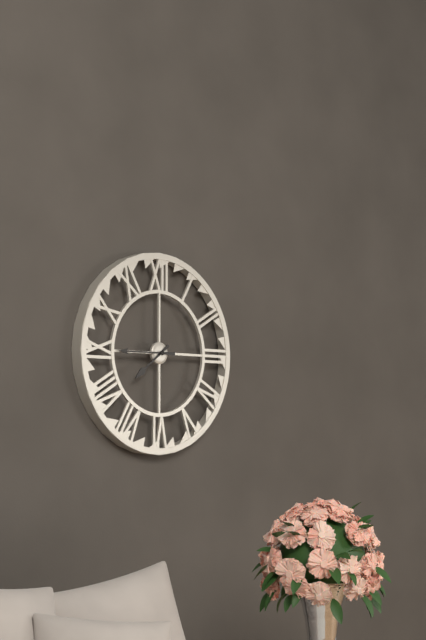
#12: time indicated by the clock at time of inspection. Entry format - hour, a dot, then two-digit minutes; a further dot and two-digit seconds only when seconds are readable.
7.45
